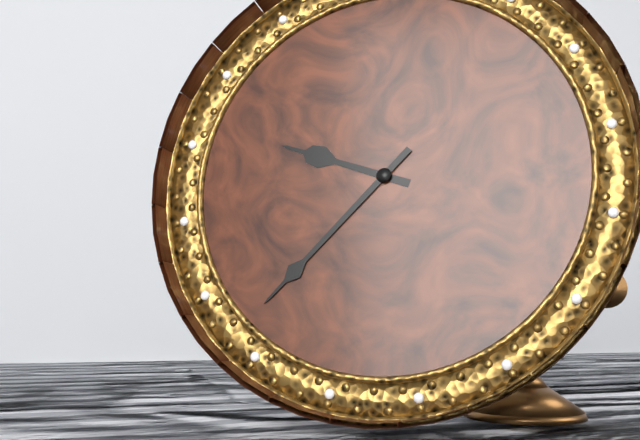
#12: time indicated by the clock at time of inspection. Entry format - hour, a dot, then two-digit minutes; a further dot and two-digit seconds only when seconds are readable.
9.37
